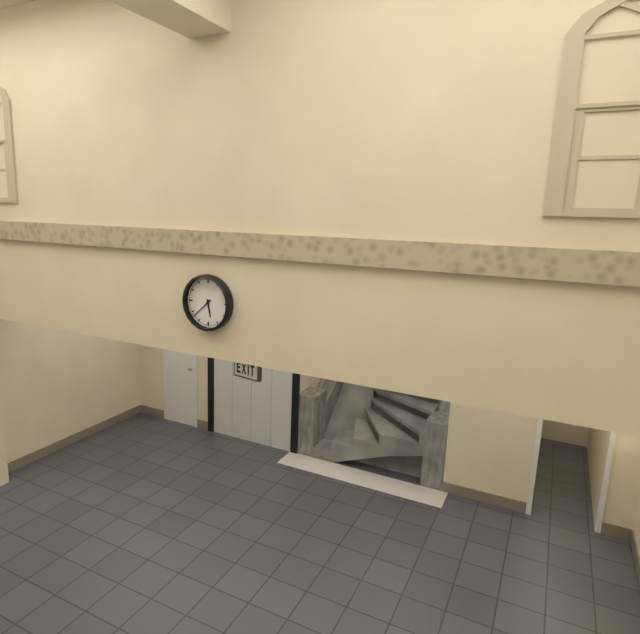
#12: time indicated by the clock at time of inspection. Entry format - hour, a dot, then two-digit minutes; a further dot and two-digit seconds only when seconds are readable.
5.38
